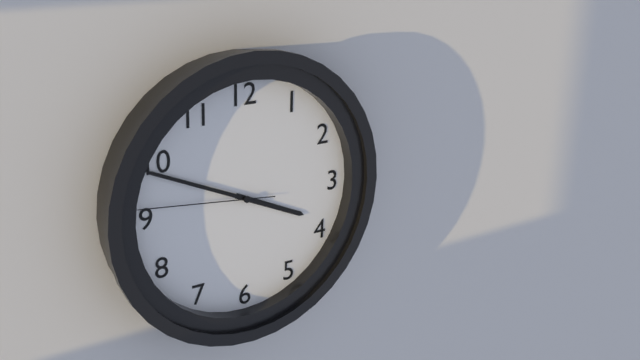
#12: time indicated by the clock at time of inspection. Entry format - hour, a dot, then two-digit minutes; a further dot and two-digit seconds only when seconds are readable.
3.49.46
